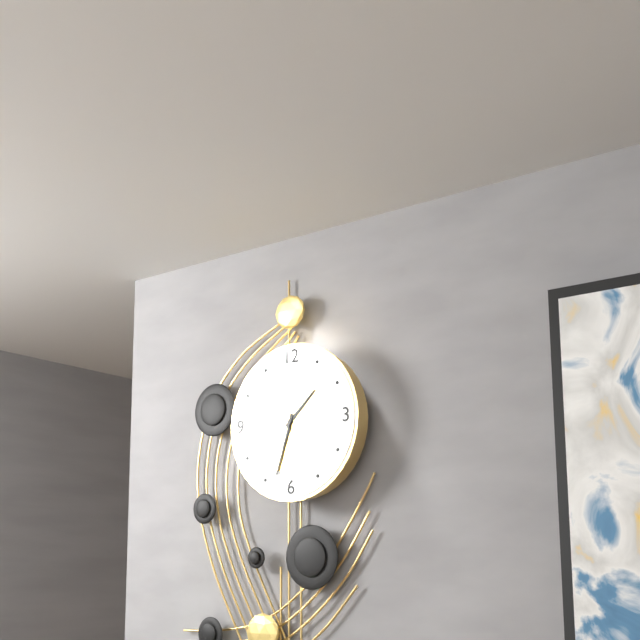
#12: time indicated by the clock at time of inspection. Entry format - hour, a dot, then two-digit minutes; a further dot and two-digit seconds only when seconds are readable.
1.33.01
